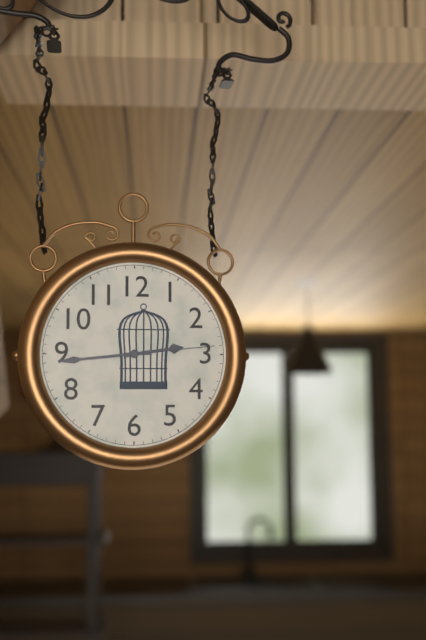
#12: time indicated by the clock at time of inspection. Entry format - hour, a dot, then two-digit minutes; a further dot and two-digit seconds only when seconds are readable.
2.44.14
